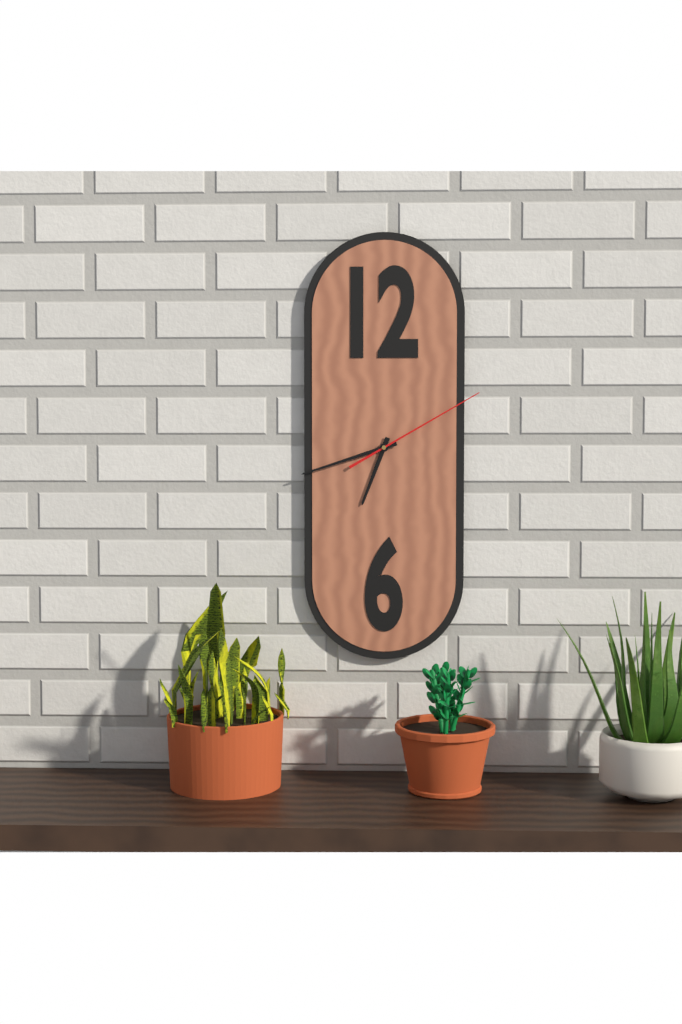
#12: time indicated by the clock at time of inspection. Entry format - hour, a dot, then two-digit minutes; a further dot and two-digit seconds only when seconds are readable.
6.42.10
